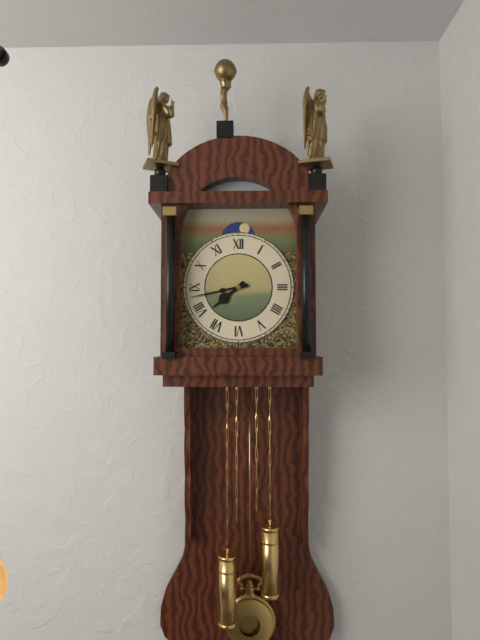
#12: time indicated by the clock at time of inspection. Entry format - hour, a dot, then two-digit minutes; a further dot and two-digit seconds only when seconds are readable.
7.43
